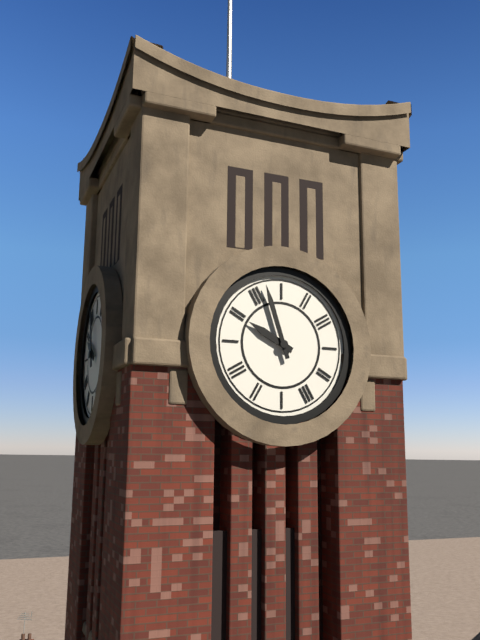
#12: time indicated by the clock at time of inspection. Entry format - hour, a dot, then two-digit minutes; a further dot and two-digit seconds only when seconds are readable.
9.57
